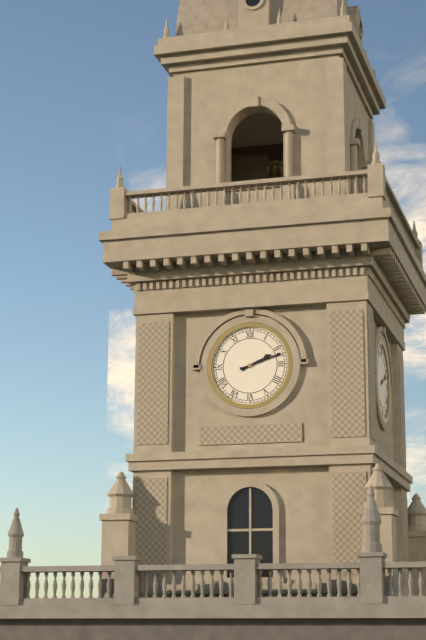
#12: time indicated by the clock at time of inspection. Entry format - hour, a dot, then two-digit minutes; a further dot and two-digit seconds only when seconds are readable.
2.12
